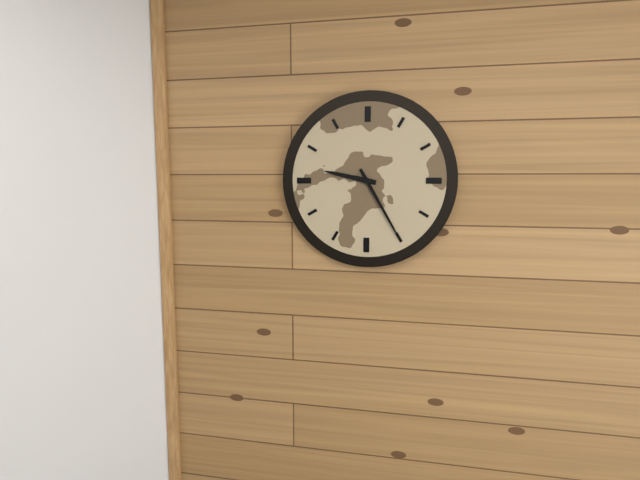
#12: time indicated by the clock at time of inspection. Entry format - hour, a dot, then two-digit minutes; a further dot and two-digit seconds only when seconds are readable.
9.25
